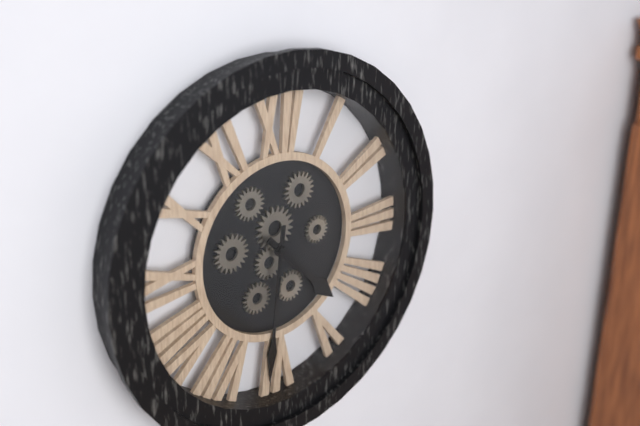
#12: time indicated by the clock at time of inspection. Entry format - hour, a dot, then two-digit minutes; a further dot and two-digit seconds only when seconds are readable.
4.31
